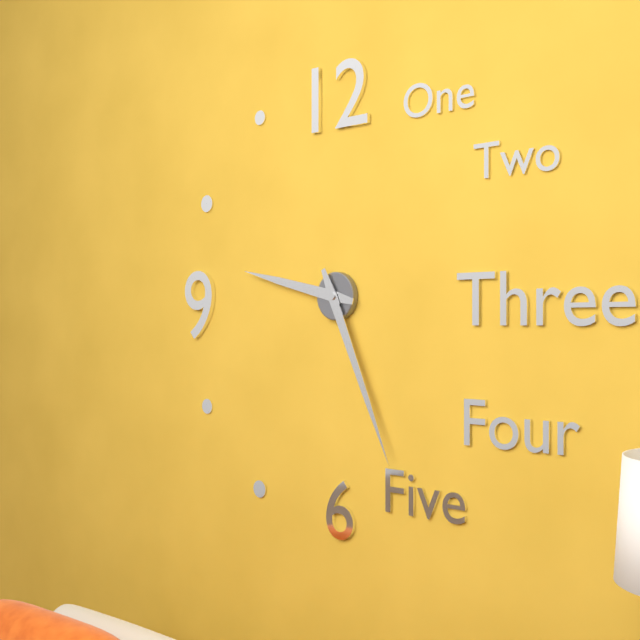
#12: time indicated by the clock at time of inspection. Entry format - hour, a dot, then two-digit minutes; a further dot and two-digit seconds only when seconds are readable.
9.26
